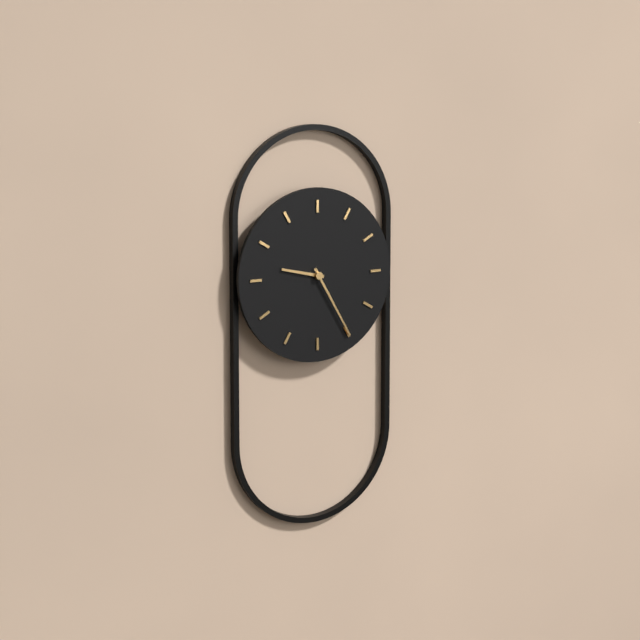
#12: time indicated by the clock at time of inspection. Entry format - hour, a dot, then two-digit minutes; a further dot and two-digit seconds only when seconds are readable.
9.25
